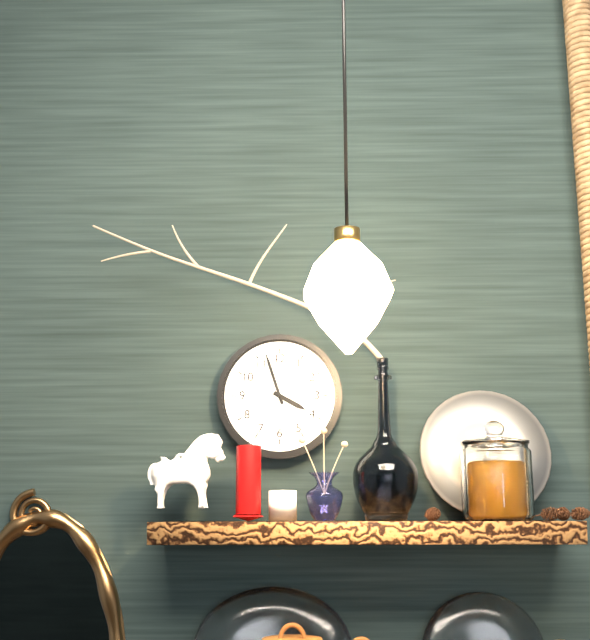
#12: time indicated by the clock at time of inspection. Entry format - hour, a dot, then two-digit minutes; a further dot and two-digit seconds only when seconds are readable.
3.57
